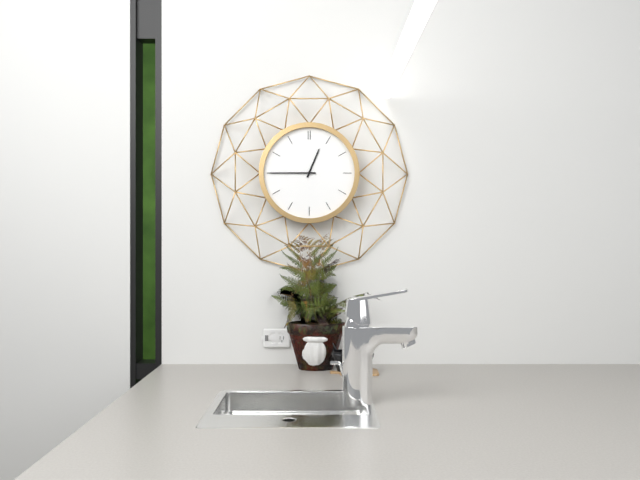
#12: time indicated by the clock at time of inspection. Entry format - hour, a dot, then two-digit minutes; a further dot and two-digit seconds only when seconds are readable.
12.45
